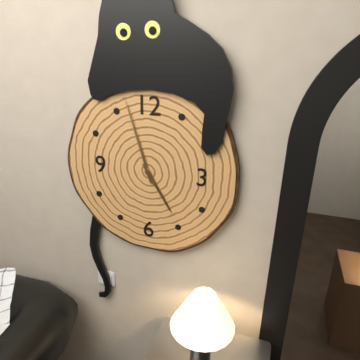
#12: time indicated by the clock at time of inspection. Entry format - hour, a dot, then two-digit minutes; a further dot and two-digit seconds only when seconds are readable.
4.57
